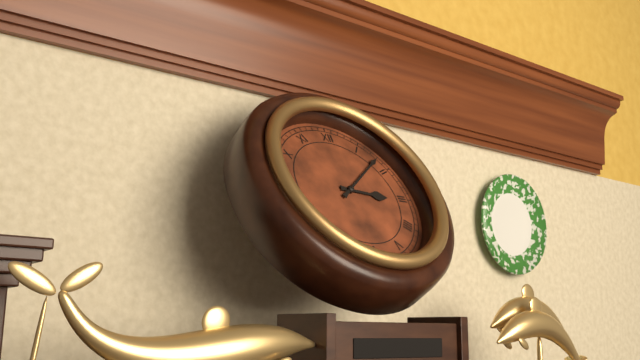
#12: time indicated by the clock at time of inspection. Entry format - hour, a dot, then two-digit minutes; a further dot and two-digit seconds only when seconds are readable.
3.08
